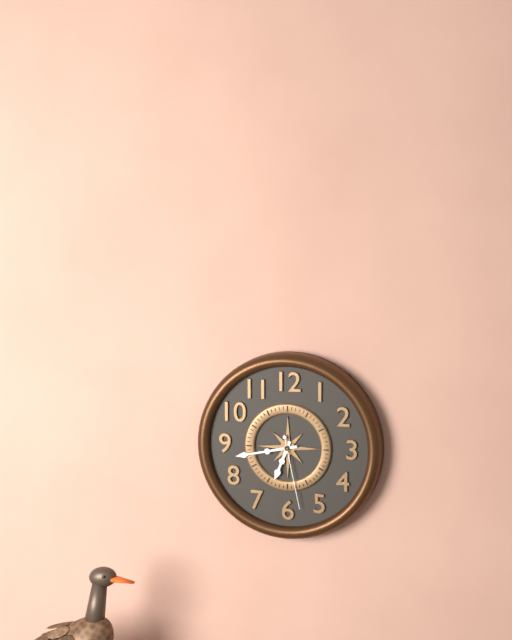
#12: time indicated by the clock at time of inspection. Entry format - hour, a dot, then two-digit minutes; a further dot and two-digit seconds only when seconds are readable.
6.43.28
